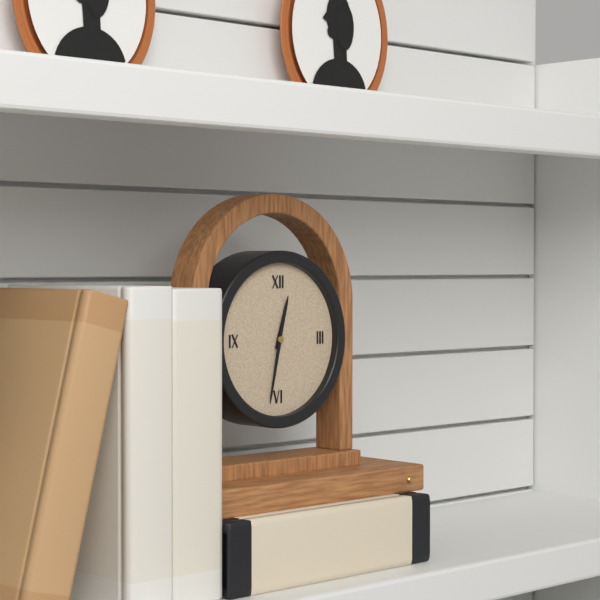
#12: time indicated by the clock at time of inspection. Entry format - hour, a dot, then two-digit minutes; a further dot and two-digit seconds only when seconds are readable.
12.32
